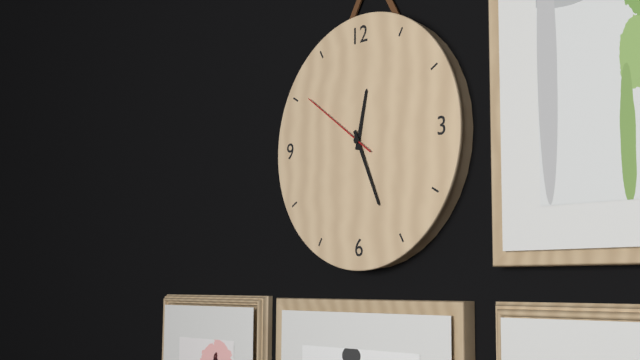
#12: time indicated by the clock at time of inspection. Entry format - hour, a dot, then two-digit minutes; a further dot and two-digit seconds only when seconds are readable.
12.26.51
